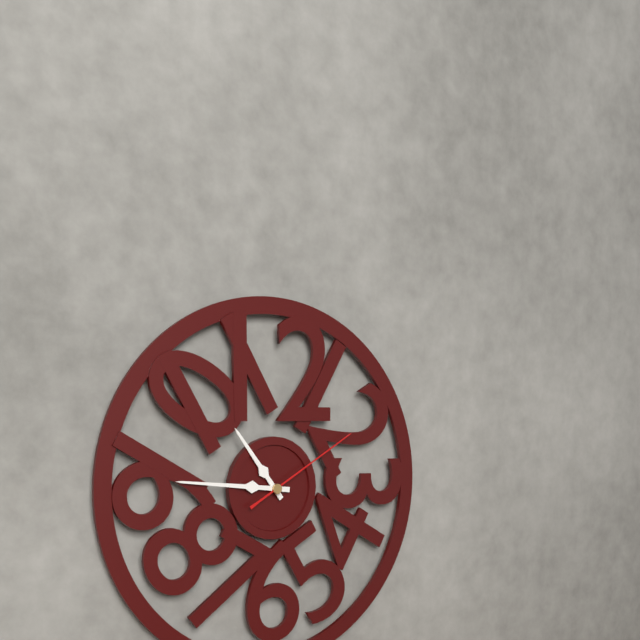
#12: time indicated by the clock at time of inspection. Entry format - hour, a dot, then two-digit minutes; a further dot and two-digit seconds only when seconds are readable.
10.46.10
